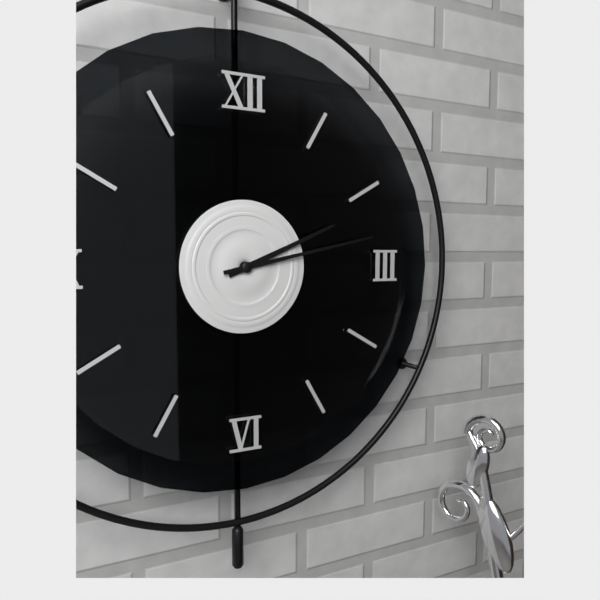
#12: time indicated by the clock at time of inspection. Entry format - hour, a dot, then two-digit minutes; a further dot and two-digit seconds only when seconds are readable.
2.13
